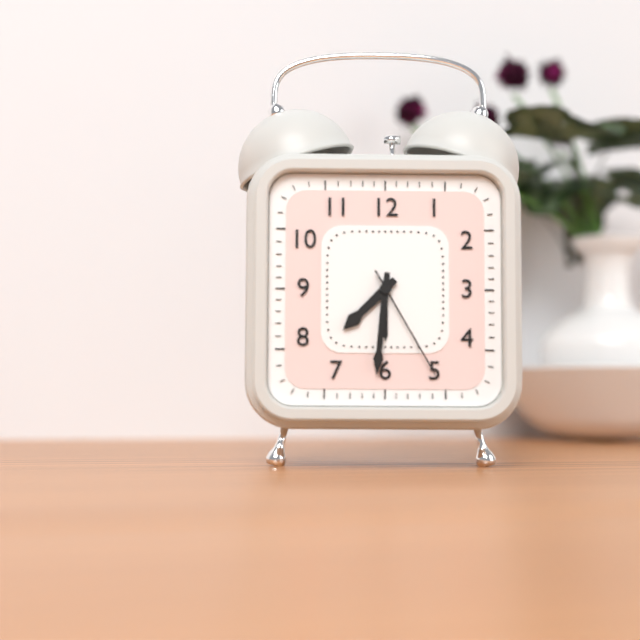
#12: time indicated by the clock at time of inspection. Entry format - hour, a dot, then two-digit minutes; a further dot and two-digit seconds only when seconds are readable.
7.31.25
